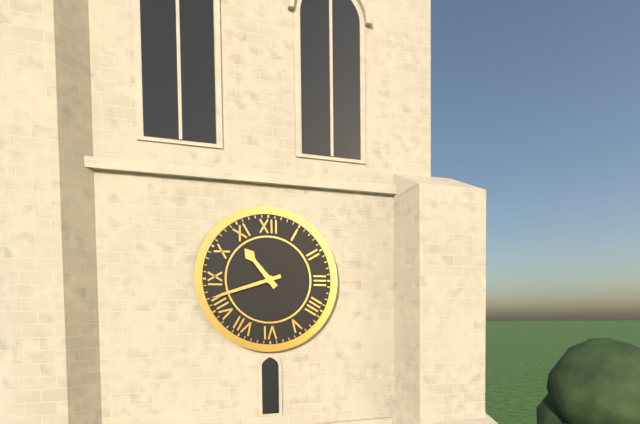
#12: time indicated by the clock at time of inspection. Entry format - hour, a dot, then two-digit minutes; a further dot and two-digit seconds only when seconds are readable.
10.42
